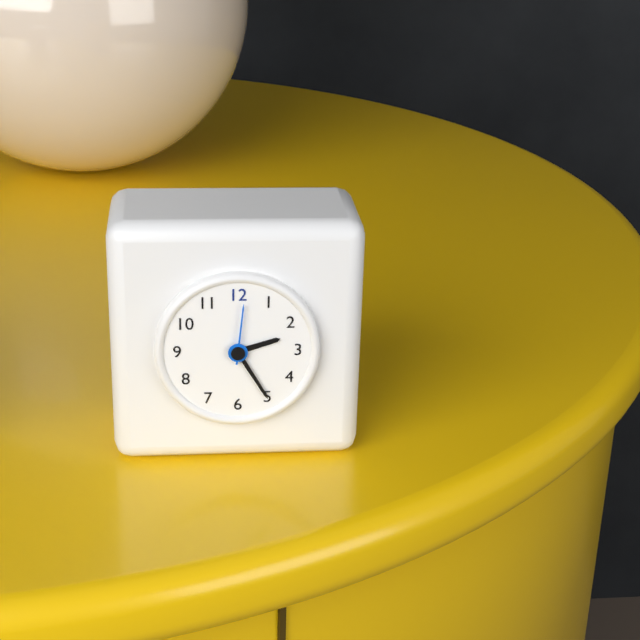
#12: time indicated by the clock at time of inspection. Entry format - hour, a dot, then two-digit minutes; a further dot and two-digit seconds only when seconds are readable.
2.25.01
